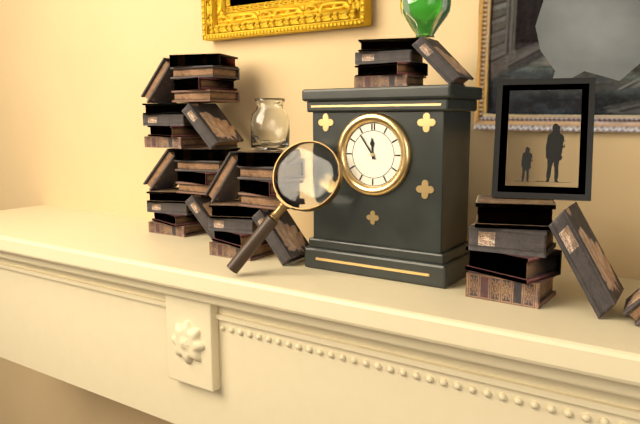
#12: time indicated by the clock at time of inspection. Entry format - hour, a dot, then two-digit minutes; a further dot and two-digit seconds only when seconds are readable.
11.54
